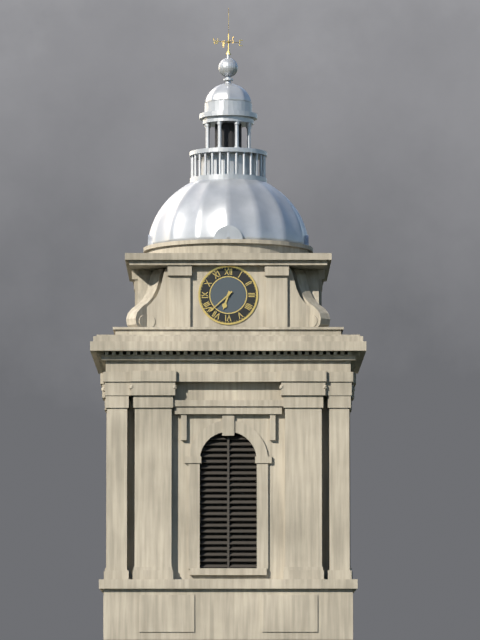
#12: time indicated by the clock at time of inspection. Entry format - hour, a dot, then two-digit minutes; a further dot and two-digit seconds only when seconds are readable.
6.38
